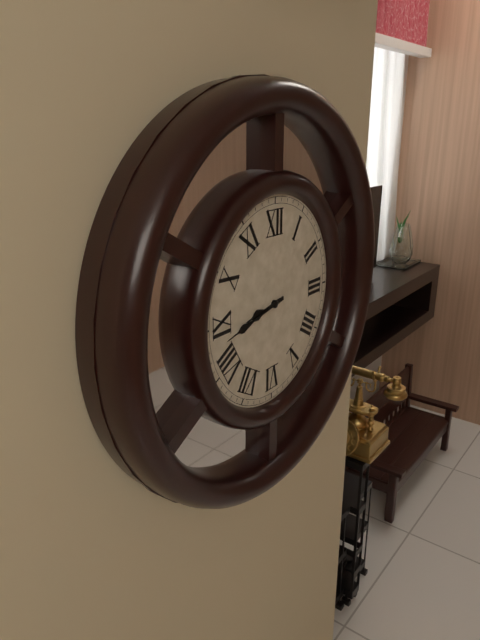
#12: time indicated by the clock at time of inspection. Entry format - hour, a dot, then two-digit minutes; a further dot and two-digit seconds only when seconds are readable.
8.43
